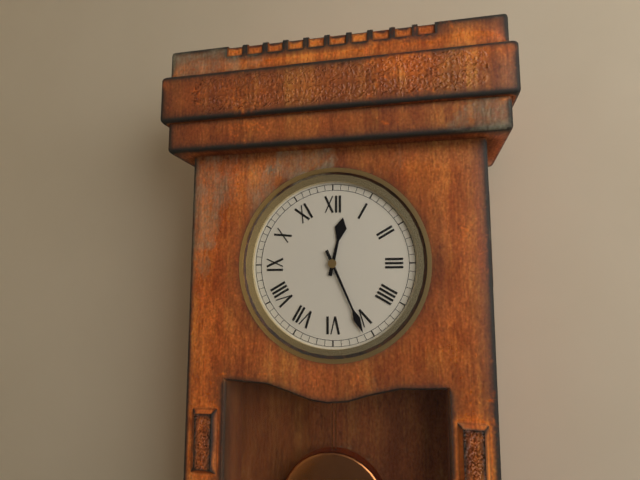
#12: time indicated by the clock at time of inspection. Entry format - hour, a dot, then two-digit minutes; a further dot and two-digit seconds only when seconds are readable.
12.26
